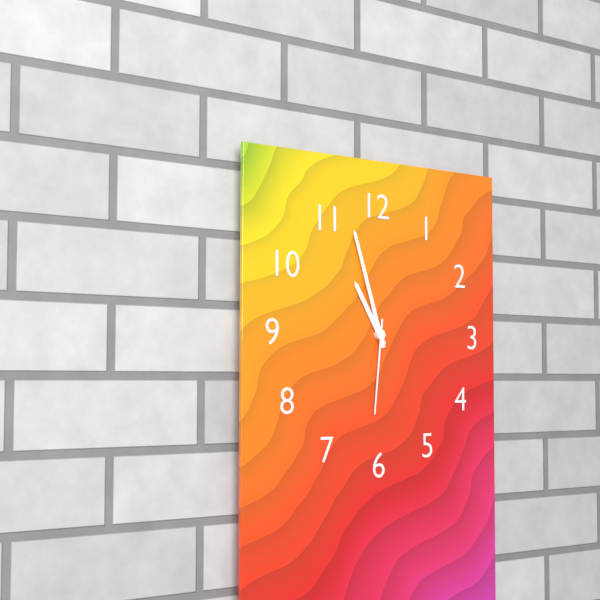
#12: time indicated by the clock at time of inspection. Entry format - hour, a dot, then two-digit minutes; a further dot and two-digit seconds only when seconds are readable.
10.57.31
